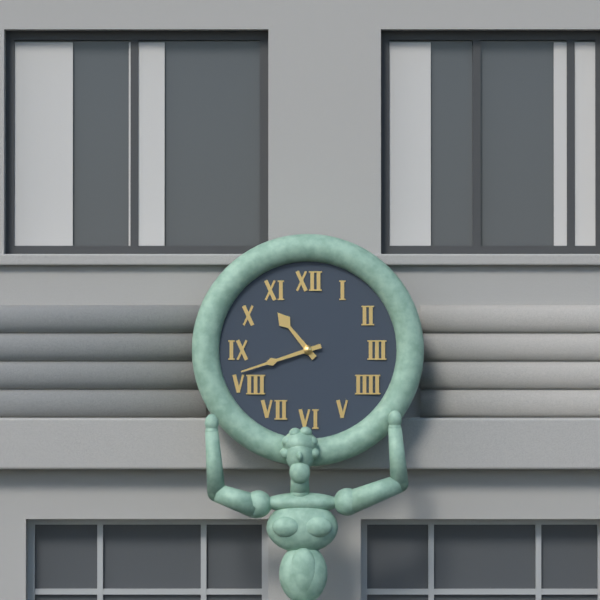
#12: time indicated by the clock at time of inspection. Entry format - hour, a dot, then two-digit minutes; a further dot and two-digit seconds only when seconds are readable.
10.42
